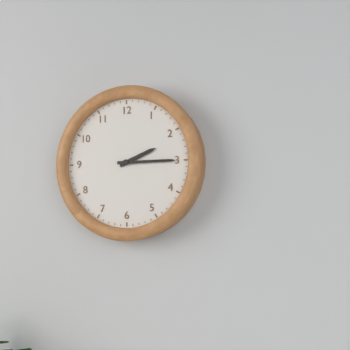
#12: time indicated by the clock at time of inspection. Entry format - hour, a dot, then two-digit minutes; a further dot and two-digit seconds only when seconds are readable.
2.15
